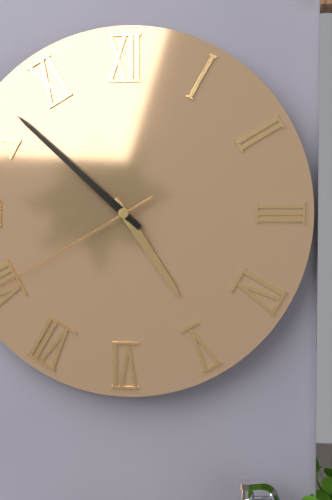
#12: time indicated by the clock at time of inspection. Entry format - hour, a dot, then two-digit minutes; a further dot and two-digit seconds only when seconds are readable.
4.52
